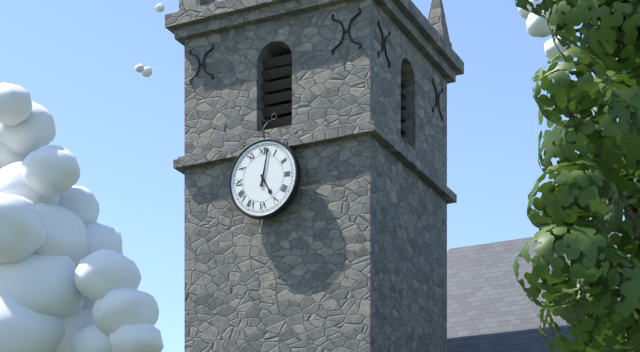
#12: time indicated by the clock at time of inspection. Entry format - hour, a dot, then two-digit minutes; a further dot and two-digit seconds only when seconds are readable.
5.02
